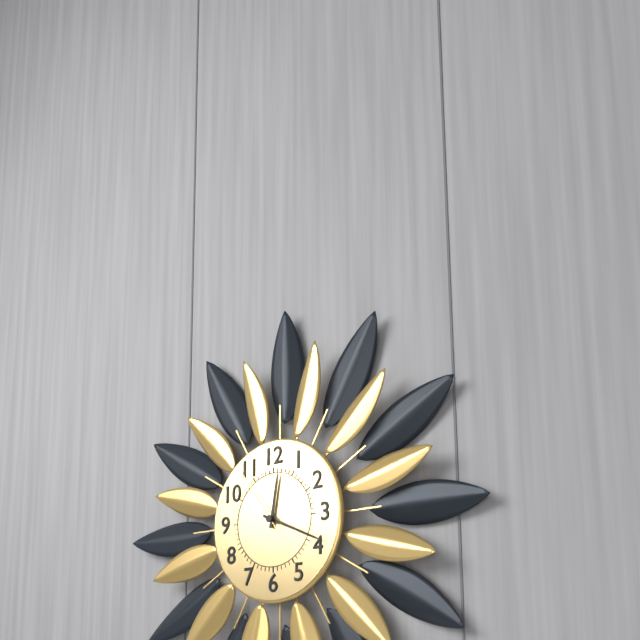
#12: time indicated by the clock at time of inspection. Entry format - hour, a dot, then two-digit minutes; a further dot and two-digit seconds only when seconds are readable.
12.19.54
